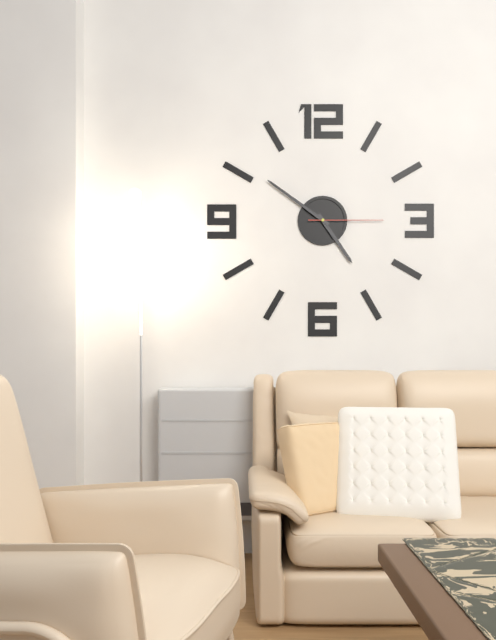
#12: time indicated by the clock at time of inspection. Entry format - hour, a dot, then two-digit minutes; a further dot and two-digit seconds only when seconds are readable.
4.51.15
